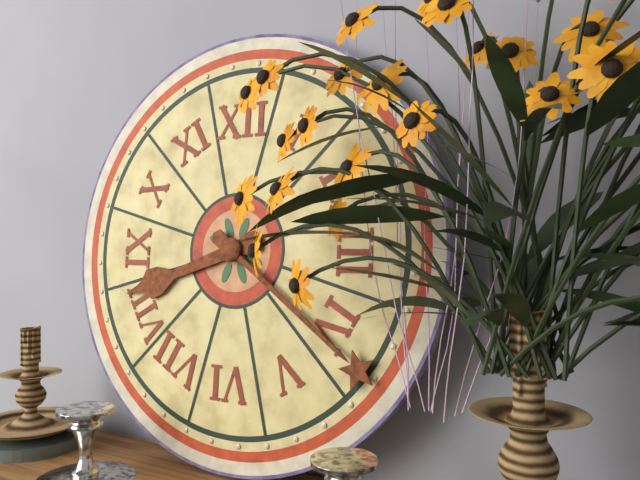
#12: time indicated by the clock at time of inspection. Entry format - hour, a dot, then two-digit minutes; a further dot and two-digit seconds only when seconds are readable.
8.21
